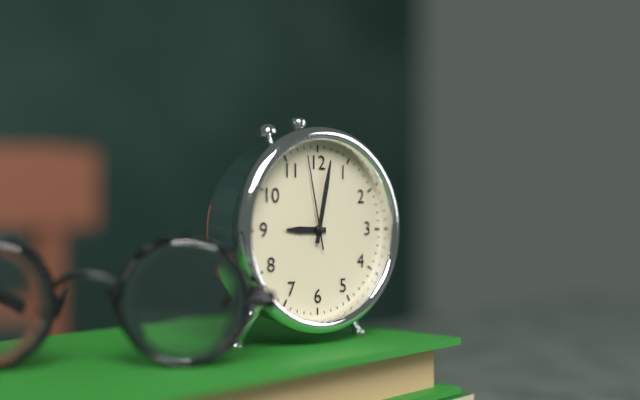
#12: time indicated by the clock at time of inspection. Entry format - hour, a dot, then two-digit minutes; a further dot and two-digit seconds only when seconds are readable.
9.02.58
